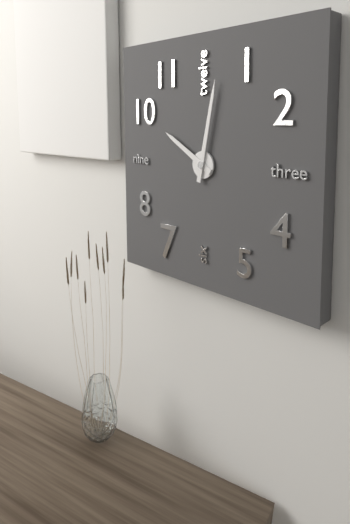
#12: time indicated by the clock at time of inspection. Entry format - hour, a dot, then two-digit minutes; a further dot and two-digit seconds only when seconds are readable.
10.02
